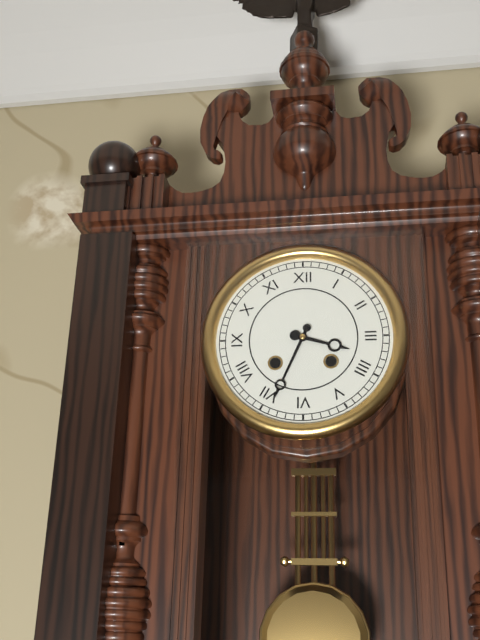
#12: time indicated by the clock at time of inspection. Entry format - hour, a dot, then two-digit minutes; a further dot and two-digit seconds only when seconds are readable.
3.34
